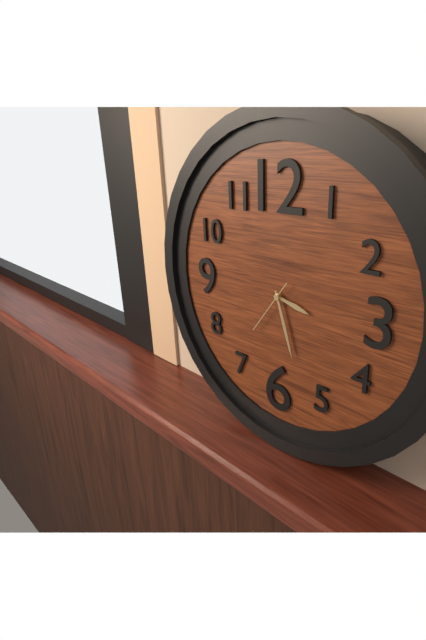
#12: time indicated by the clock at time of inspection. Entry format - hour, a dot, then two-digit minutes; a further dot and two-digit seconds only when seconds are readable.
3.27.36
